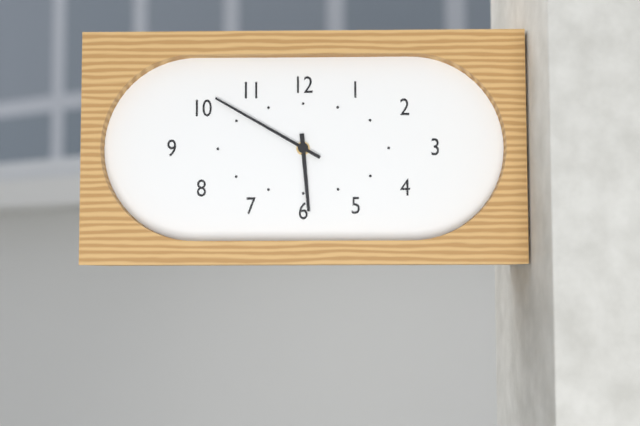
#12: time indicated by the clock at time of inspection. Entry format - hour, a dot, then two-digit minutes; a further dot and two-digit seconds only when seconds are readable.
5.50
